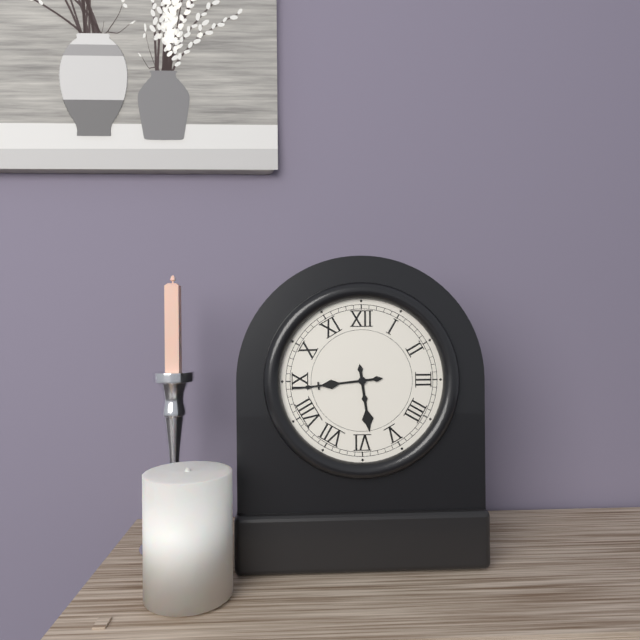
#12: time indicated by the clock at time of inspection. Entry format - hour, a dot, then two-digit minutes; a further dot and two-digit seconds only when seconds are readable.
5.44
